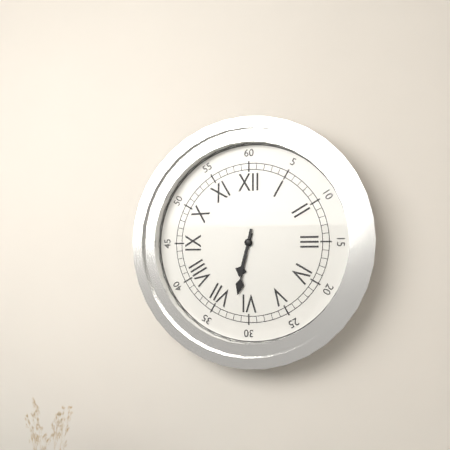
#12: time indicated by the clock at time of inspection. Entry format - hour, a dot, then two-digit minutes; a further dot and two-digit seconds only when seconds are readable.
6.32
